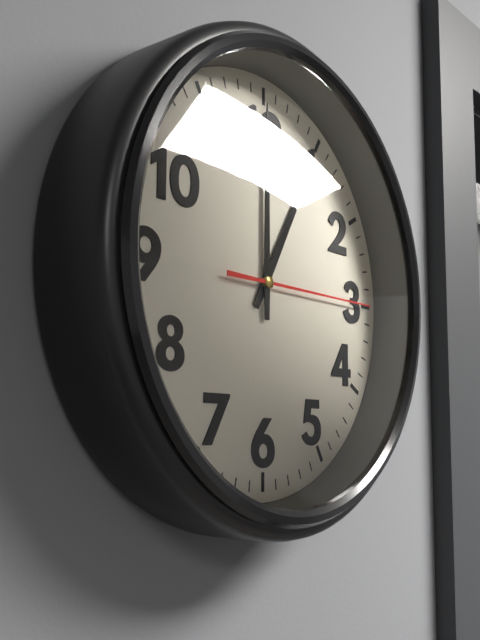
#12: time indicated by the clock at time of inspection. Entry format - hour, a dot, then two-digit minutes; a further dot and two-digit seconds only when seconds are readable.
1.00.15
